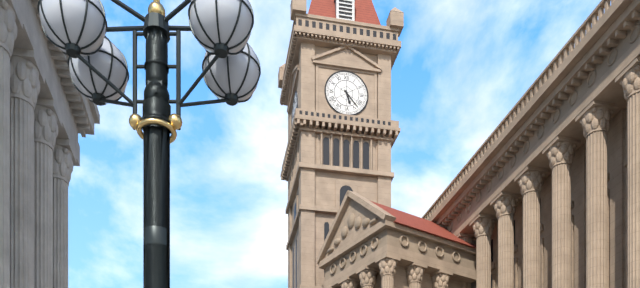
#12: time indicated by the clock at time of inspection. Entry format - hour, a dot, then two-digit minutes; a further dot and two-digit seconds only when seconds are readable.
5.23
